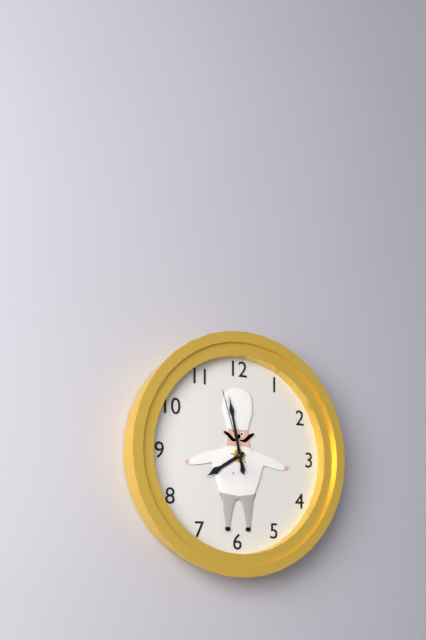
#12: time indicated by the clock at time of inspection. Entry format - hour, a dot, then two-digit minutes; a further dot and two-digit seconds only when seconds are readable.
7.58.57
